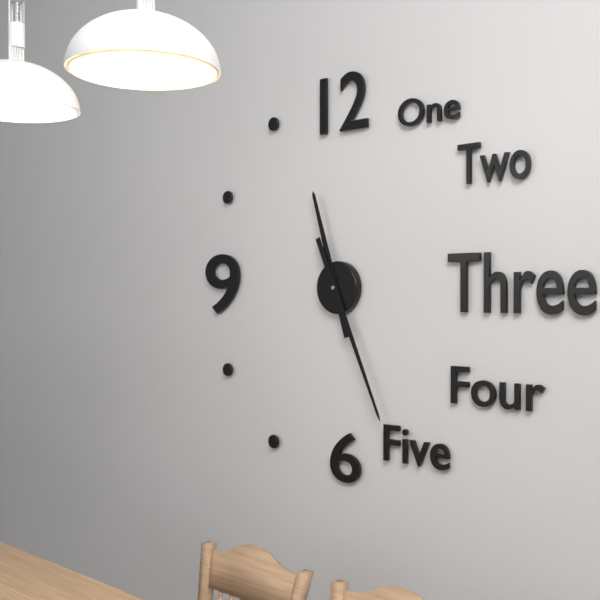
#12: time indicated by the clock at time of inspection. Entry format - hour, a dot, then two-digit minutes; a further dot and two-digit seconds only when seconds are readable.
11.26
